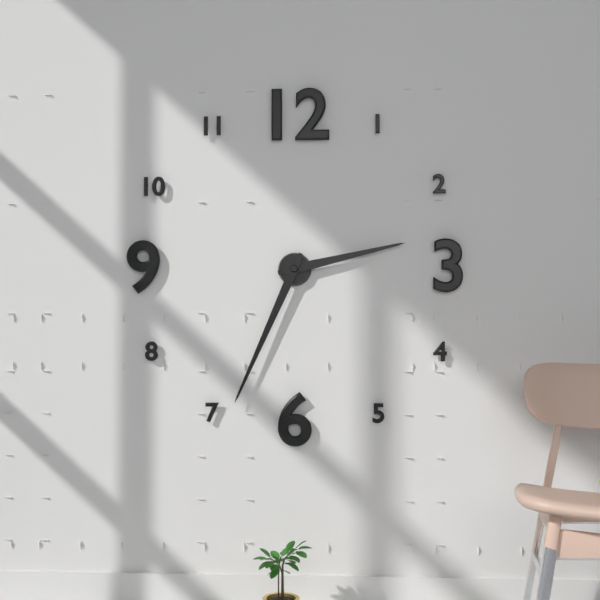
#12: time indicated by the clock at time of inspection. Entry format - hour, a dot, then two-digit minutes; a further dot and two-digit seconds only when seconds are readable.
2.34
